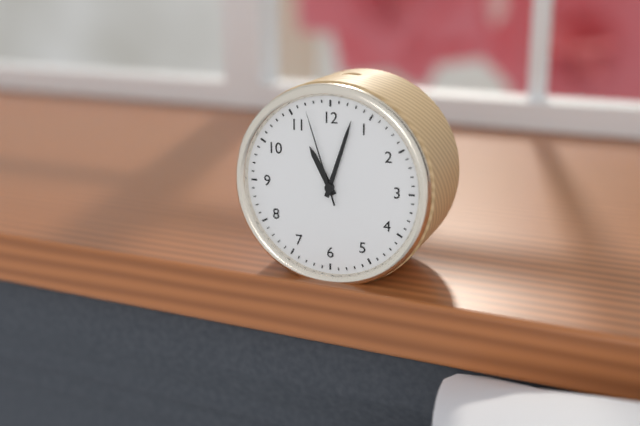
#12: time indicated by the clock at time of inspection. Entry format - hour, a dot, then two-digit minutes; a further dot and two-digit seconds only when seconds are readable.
11.03.57
